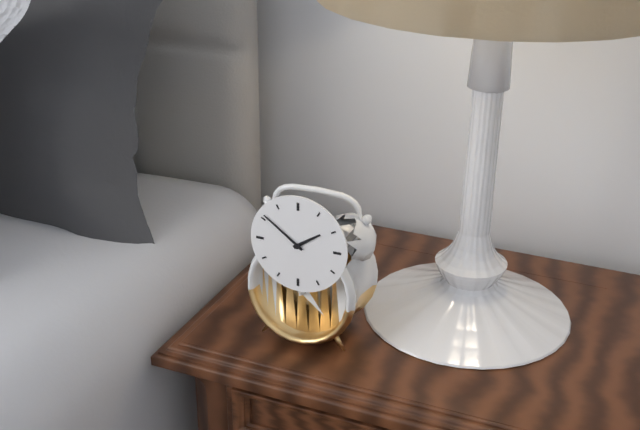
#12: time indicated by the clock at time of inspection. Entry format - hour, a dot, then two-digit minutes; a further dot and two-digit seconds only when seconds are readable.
1.51
